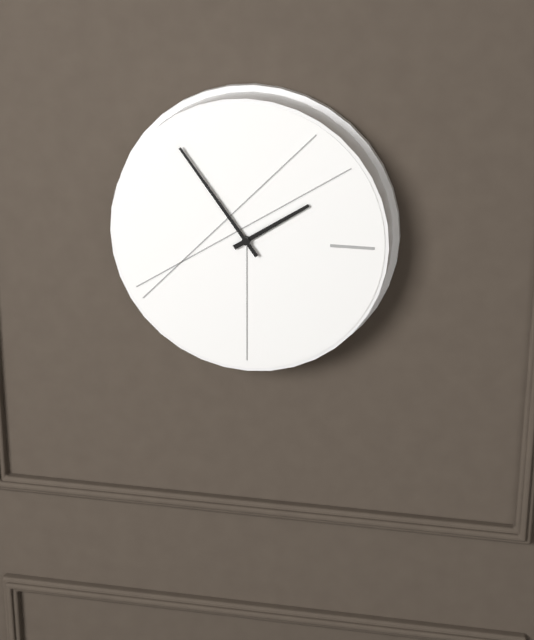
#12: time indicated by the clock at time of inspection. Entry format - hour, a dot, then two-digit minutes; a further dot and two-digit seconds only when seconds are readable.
1.54
